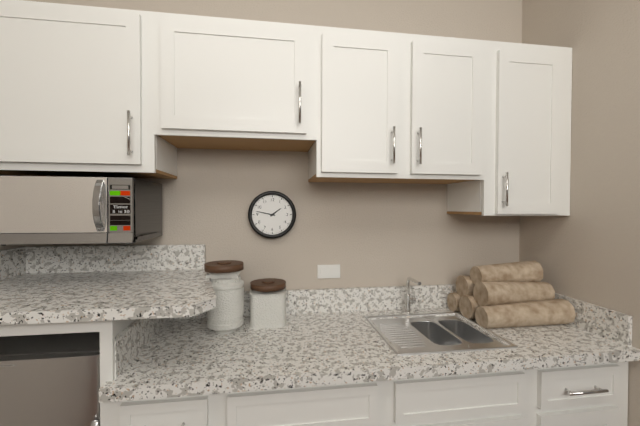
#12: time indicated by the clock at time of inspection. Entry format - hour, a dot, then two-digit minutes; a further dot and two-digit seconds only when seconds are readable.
1.47
